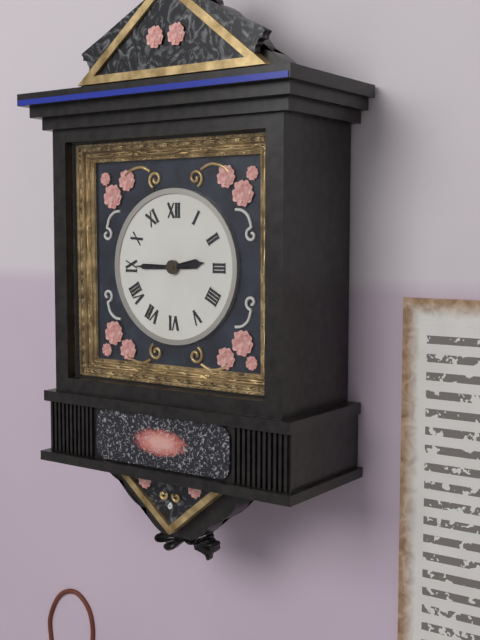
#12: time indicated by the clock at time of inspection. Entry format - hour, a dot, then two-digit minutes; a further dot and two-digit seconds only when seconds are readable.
2.45
